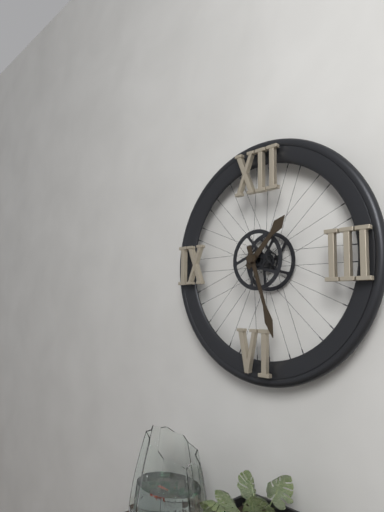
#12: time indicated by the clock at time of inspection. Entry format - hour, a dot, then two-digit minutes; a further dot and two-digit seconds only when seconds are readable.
1.27
